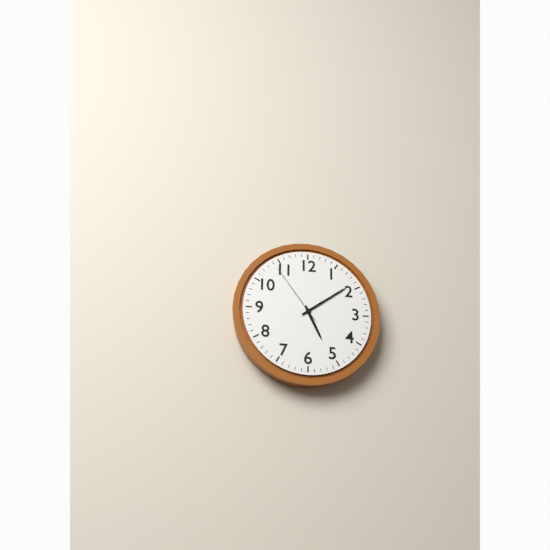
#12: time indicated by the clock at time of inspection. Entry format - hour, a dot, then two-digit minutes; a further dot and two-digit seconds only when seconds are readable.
5.09.54
